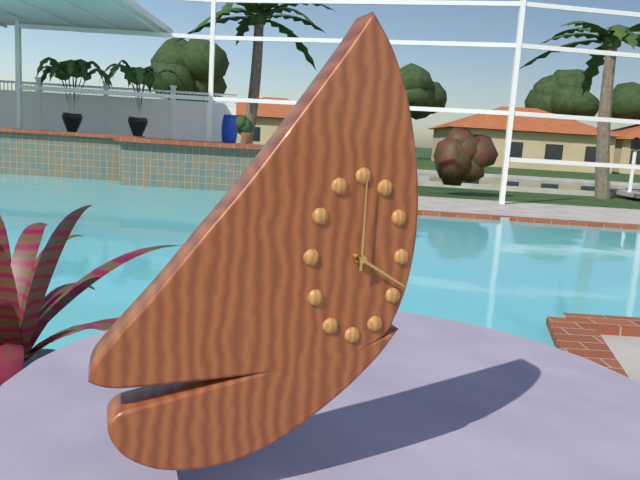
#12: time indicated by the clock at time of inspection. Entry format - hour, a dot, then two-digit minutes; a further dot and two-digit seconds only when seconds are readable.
4.00
